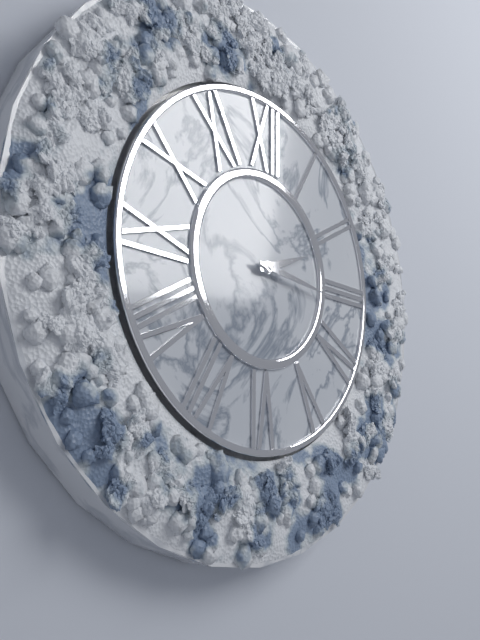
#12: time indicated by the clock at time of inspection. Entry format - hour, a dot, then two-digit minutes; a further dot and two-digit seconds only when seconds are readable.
2.16
